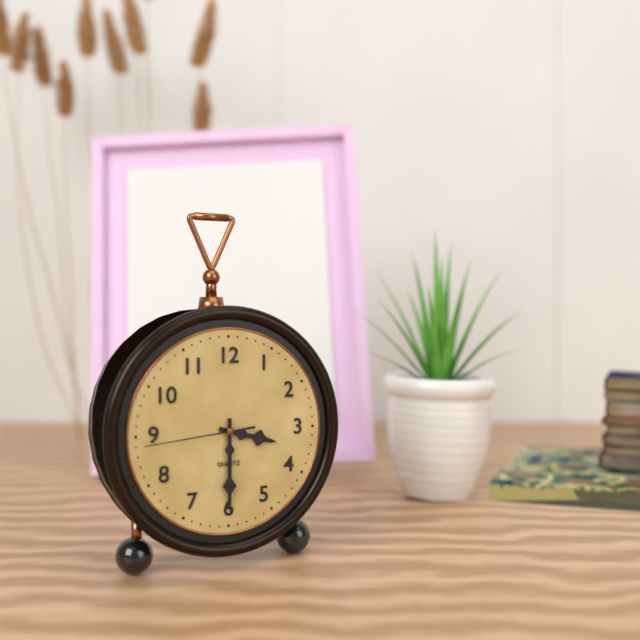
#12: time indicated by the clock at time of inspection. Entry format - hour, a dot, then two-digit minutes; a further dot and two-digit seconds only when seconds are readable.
3.30.44
